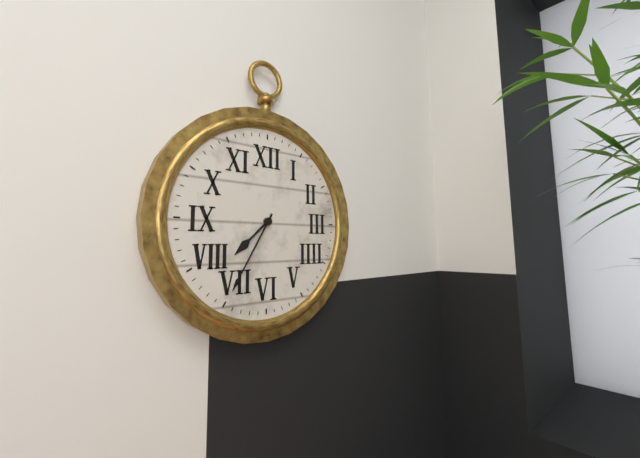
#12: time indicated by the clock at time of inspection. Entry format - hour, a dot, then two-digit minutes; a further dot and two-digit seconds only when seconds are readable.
7.35
